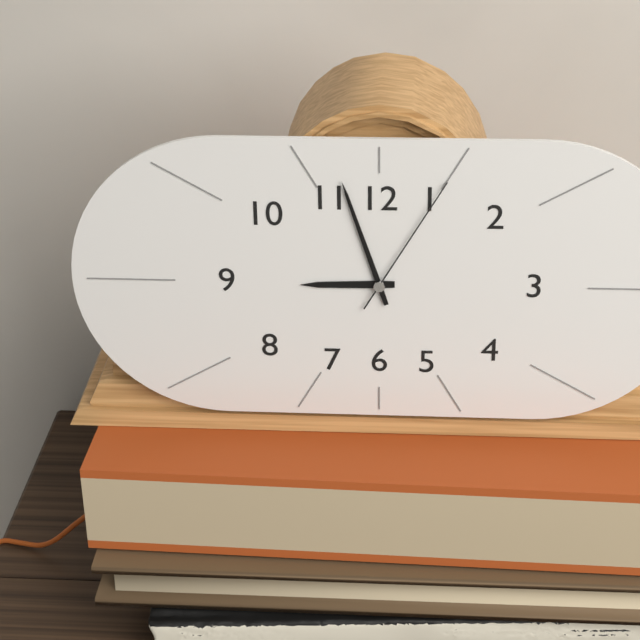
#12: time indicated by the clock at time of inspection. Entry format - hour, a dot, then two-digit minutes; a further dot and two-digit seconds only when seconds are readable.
8.57.05
